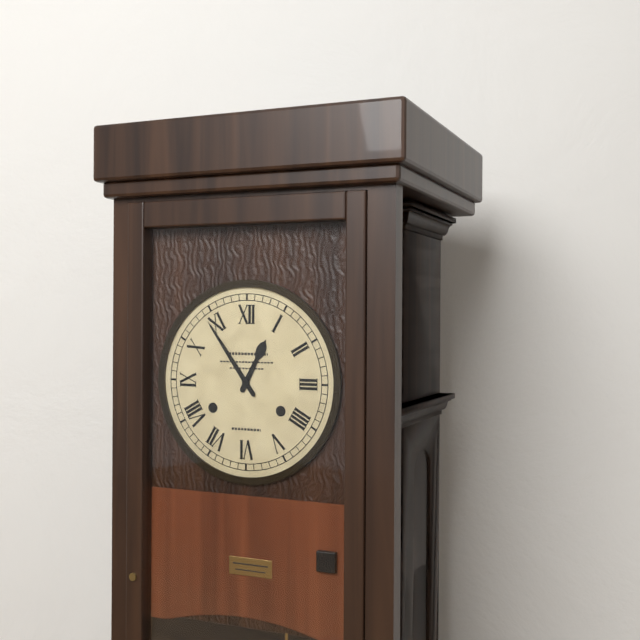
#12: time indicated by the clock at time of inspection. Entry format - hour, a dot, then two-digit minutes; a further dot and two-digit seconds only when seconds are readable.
12.54
